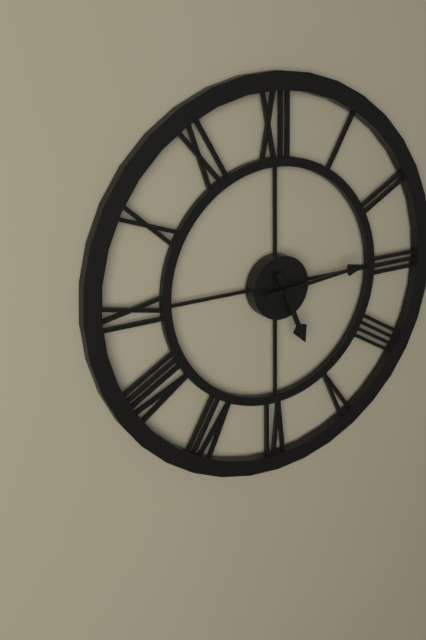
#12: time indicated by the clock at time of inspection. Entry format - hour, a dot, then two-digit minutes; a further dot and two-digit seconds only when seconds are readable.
5.14
